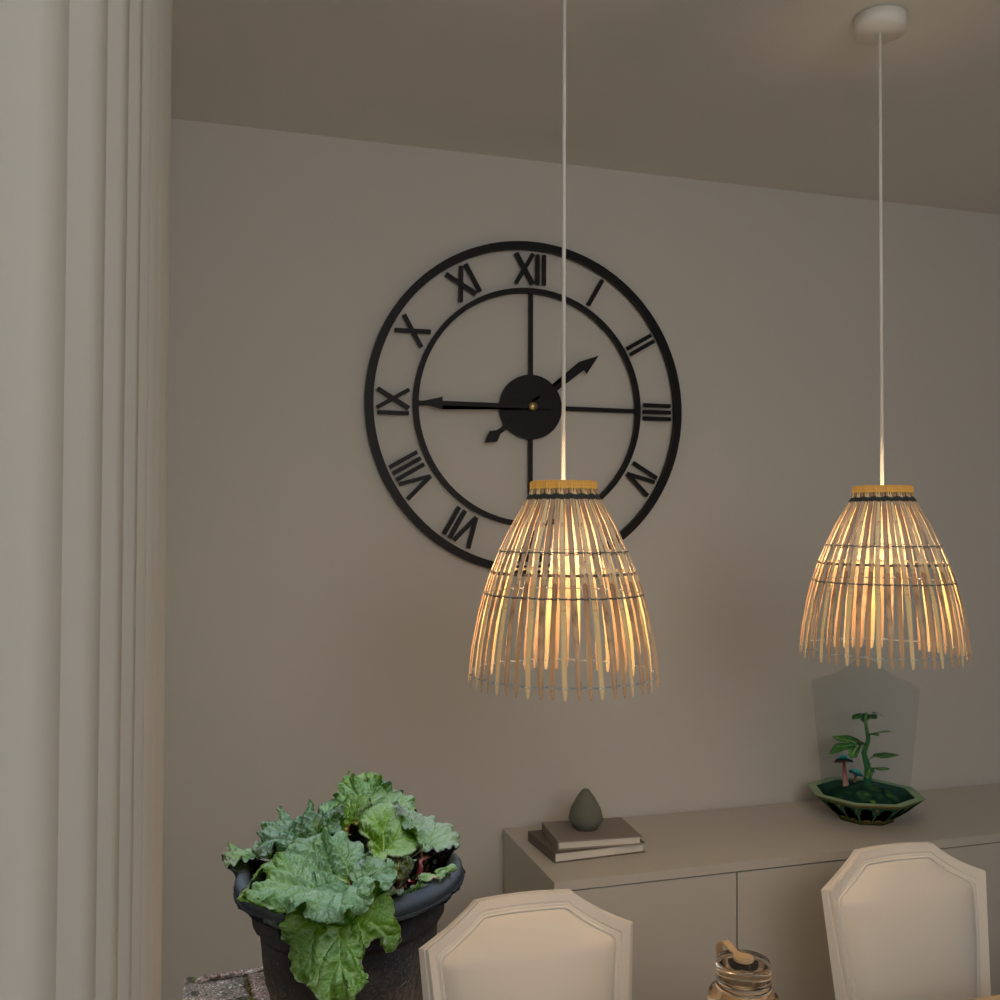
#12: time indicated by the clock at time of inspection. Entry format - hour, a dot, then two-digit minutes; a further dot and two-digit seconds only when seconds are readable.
1.45
